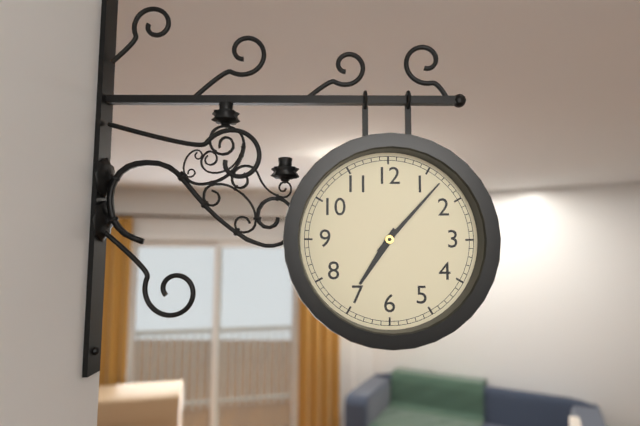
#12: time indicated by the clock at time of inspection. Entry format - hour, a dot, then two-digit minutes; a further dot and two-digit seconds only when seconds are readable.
7.07
